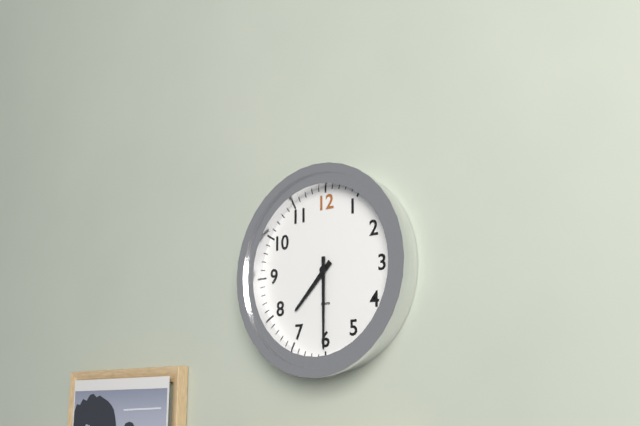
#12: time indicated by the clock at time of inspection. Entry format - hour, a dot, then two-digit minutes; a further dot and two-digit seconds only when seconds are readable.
7.30
